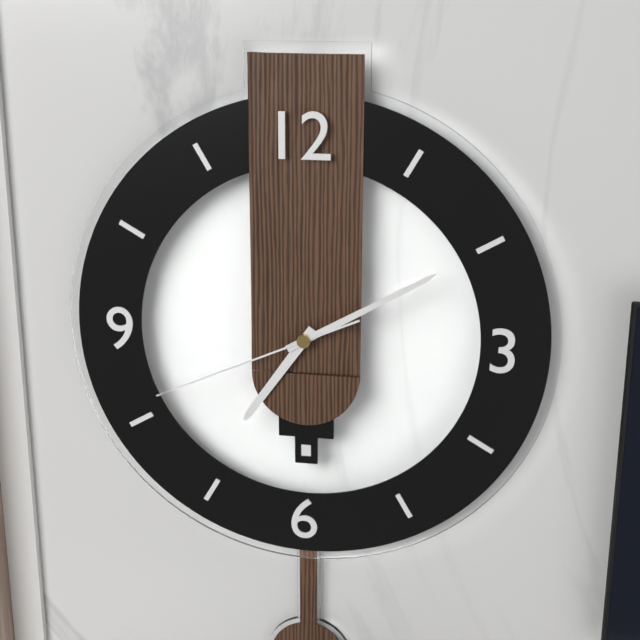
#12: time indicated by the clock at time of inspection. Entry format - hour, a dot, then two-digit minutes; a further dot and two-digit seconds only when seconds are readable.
7.10.41
